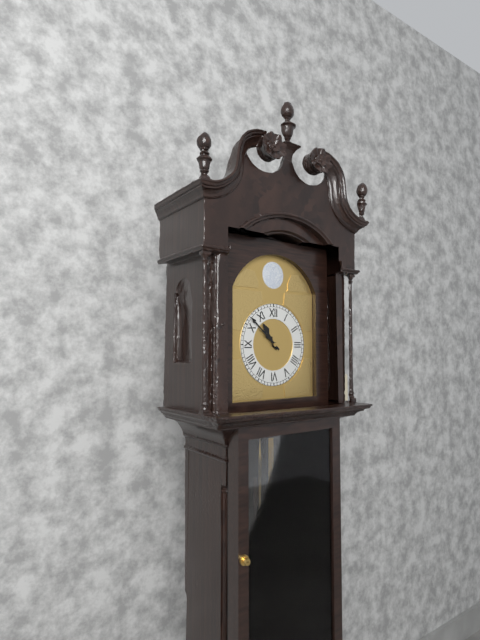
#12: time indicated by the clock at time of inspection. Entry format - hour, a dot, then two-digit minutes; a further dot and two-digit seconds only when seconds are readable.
10.52
